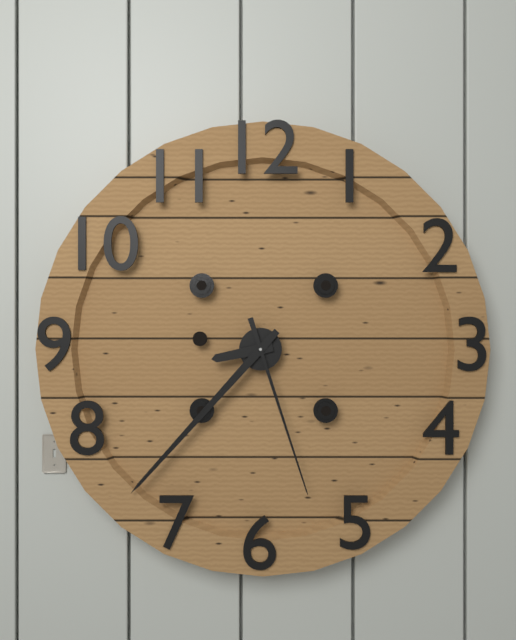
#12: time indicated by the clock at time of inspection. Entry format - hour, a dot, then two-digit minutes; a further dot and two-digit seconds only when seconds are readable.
8.37.27
